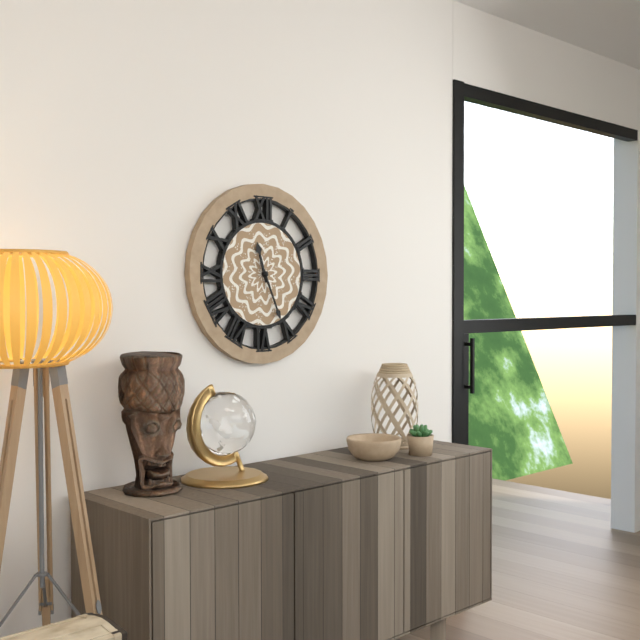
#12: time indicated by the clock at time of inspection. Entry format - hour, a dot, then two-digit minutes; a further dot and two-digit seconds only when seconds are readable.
11.26
